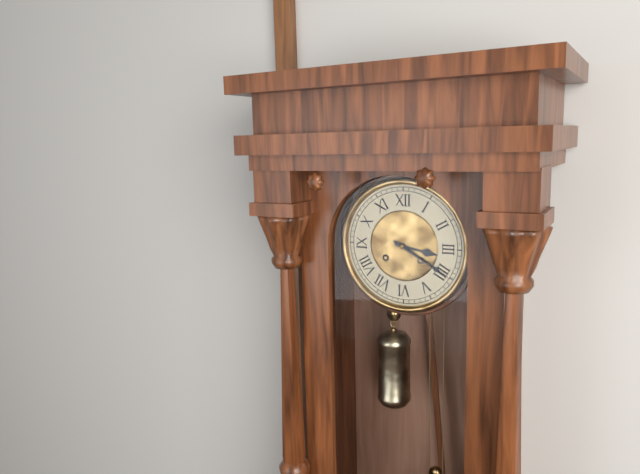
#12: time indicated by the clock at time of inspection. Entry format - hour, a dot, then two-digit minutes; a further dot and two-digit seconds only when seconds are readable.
3.20
